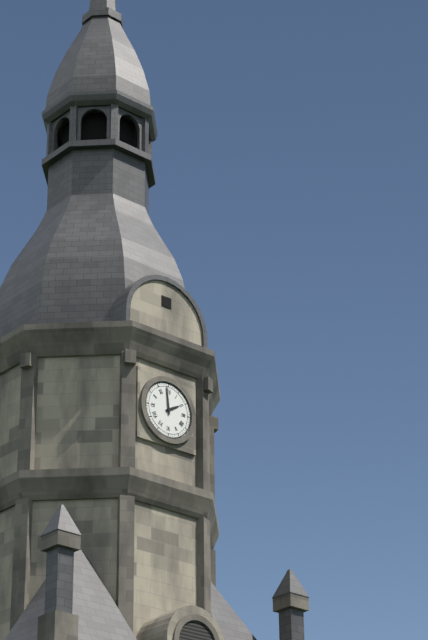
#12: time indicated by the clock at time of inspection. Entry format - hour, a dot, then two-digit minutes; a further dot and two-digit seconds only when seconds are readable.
1.59
